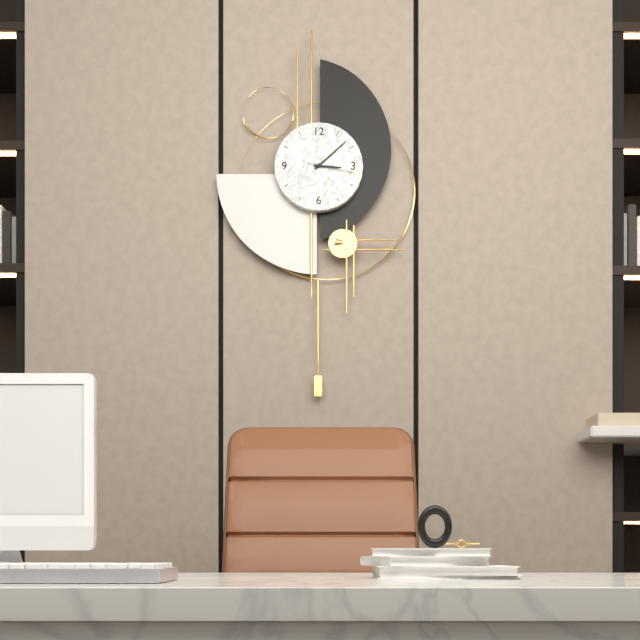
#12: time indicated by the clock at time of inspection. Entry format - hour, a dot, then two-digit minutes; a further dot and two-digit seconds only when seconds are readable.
3.08
